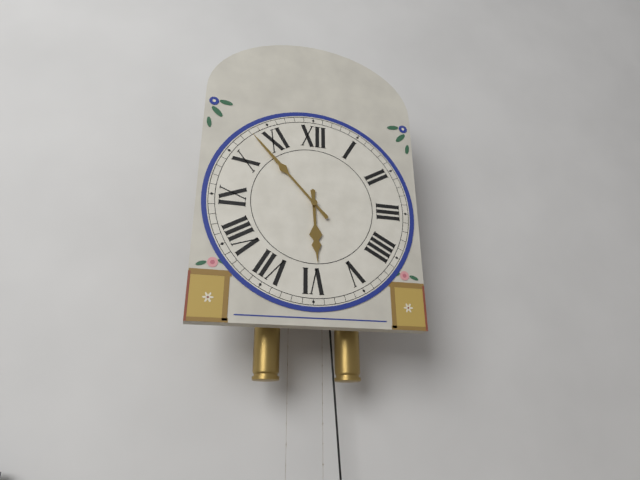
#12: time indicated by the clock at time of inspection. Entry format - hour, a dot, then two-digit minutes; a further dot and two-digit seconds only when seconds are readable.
5.53
